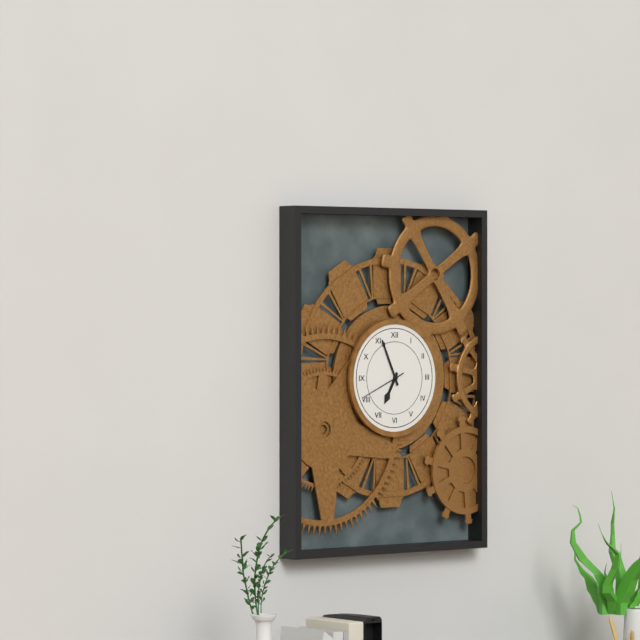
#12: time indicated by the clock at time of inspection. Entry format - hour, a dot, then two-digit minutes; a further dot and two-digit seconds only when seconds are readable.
6.56
